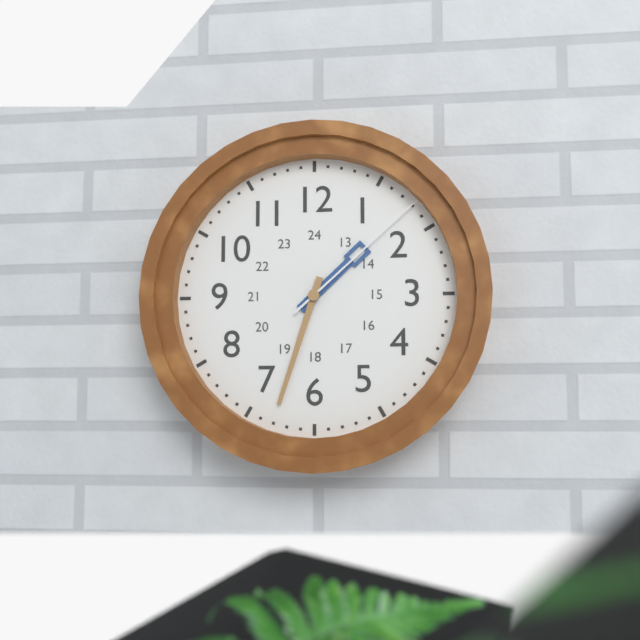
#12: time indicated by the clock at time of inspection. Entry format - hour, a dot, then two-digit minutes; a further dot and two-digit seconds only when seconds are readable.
1.33.08
